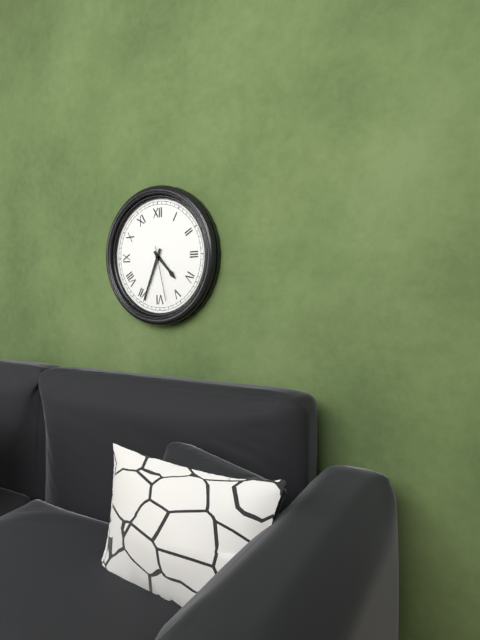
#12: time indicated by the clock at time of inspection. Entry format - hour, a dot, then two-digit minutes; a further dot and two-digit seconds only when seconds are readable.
4.34.28
